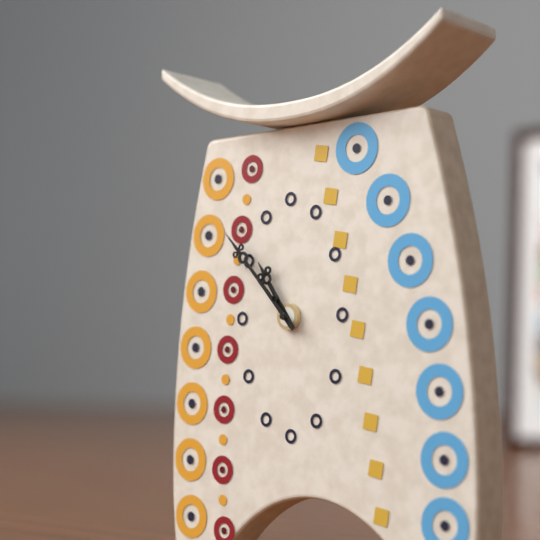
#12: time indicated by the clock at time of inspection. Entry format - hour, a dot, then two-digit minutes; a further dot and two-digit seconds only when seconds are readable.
10.53
